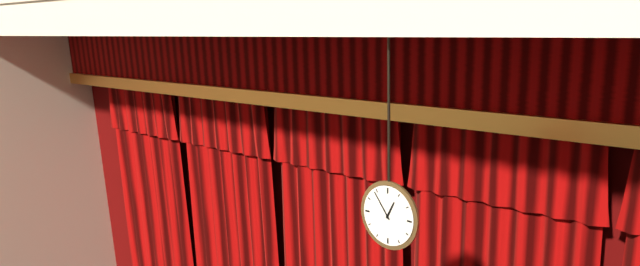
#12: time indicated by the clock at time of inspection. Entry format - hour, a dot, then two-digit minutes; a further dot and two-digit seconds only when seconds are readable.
12.54
